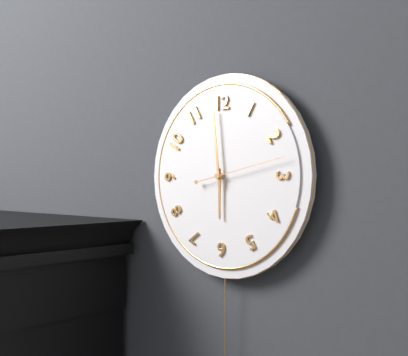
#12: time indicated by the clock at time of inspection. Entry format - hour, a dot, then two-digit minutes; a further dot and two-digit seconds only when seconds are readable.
5.59.13
